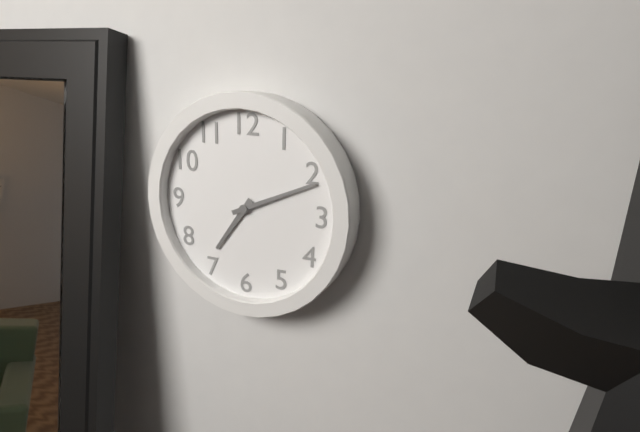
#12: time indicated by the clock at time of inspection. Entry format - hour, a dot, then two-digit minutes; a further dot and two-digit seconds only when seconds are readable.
7.11
